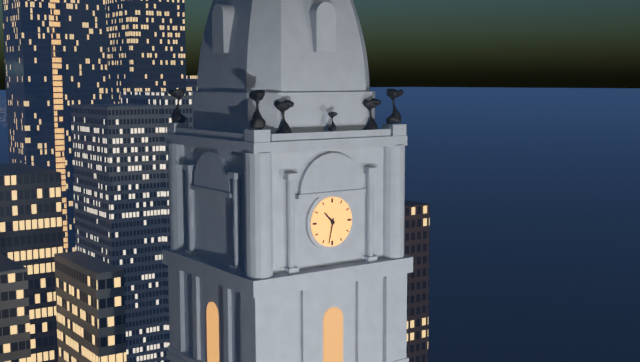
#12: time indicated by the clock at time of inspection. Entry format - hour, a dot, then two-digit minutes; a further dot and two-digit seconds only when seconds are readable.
10.32
